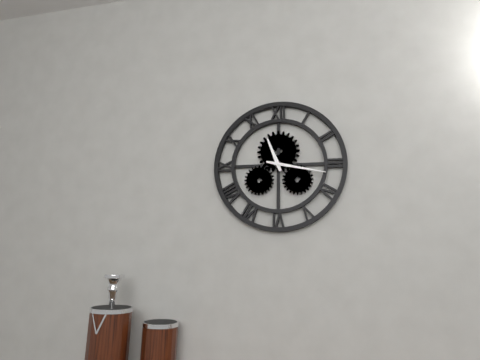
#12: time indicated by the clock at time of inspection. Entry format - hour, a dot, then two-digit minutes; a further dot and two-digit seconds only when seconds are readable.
11.17
